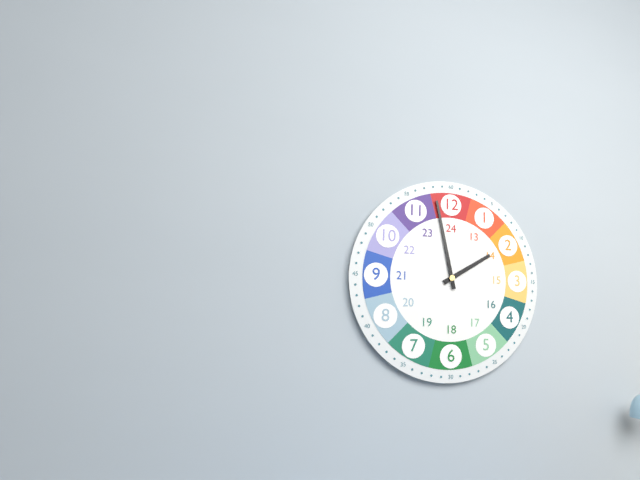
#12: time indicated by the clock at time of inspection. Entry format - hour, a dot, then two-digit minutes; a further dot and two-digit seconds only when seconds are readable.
1.58
